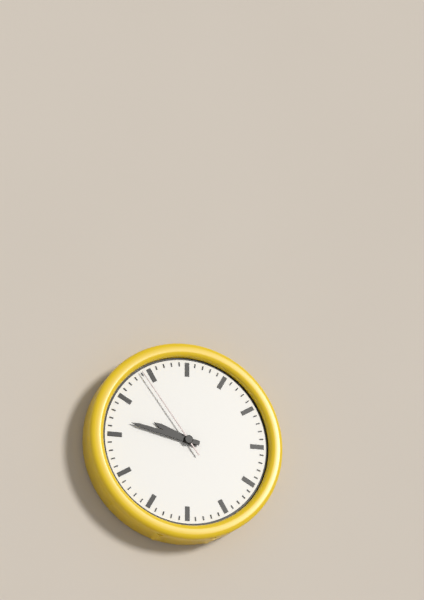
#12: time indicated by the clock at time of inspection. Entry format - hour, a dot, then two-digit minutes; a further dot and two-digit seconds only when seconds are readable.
9.47.54
